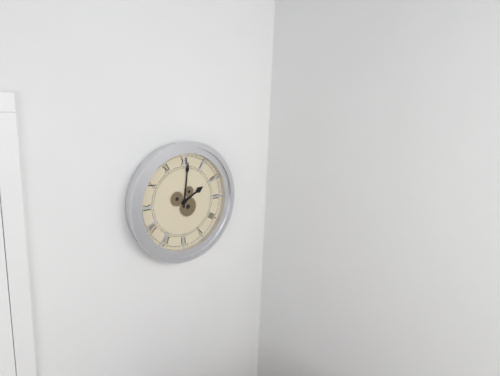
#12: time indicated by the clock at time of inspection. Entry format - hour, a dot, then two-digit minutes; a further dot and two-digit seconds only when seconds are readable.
2.01
